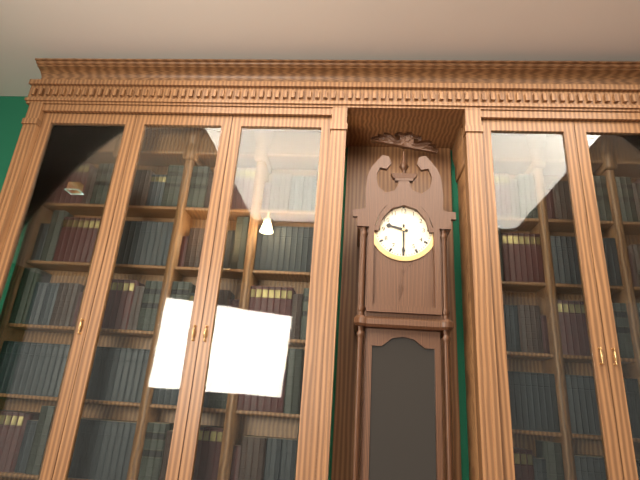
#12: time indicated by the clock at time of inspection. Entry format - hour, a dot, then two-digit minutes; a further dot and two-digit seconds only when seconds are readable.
9.30
